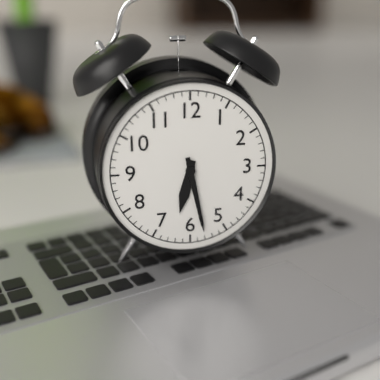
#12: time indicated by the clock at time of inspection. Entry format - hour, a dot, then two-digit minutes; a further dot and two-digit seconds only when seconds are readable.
6.28
